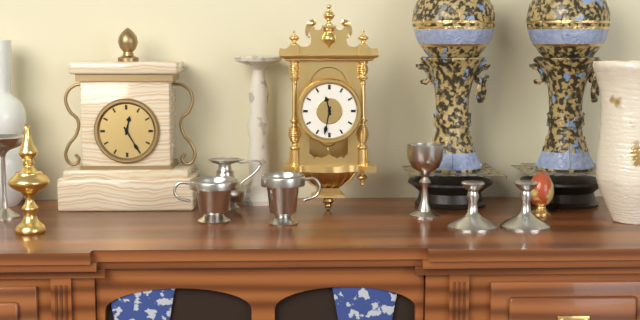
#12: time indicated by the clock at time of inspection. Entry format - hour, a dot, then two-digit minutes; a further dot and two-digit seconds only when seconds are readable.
11.32
